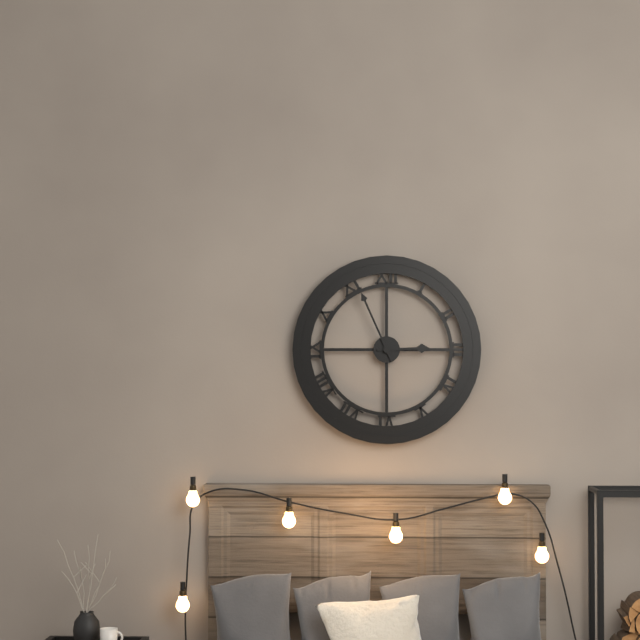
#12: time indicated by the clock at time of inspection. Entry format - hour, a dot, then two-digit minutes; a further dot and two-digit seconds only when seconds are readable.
2.56
